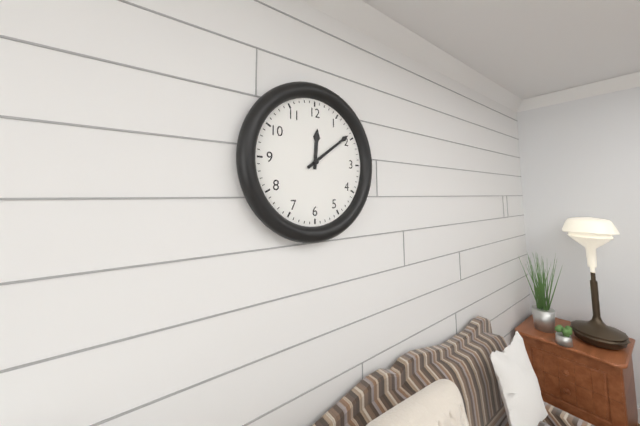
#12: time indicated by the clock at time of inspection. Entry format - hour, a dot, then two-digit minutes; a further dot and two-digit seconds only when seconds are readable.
12.09
